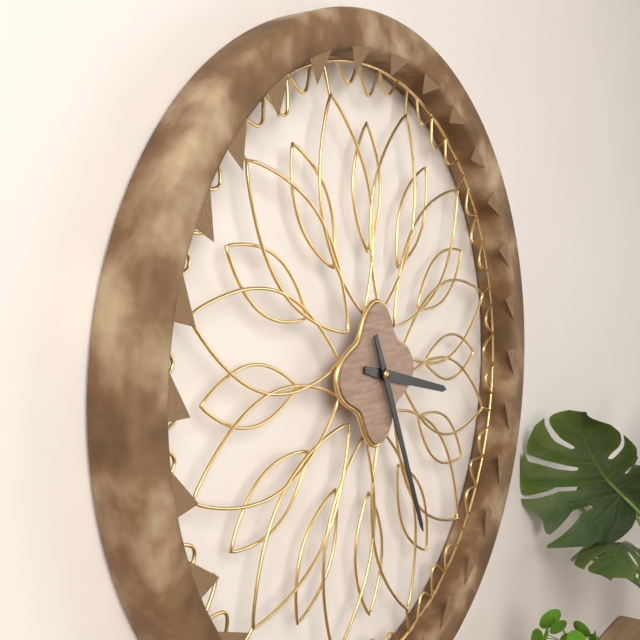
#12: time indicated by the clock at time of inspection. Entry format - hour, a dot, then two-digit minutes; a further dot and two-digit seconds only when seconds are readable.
3.26
